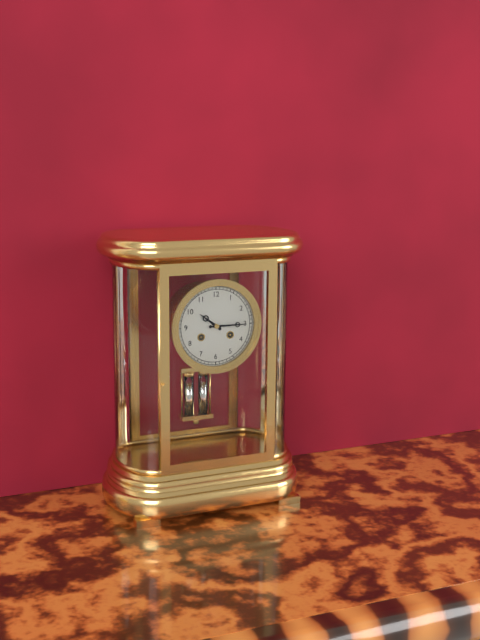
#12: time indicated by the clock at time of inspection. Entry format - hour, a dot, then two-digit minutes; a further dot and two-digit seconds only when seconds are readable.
10.15
